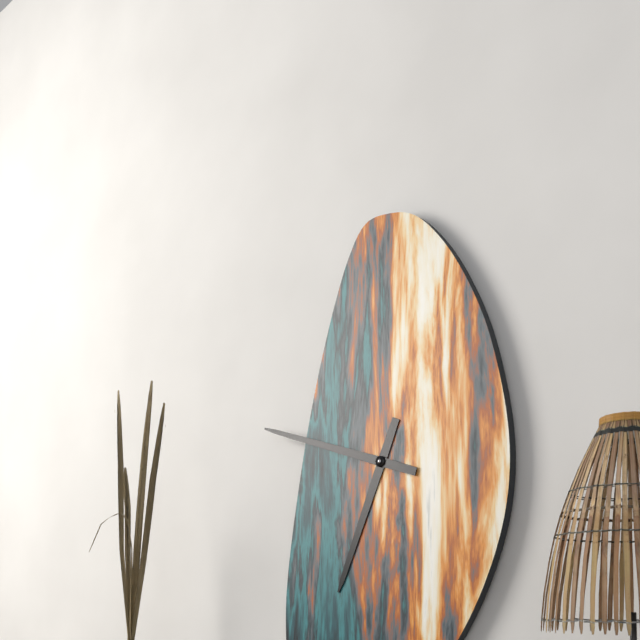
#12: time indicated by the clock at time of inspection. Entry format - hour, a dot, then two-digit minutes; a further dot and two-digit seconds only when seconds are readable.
6.48
